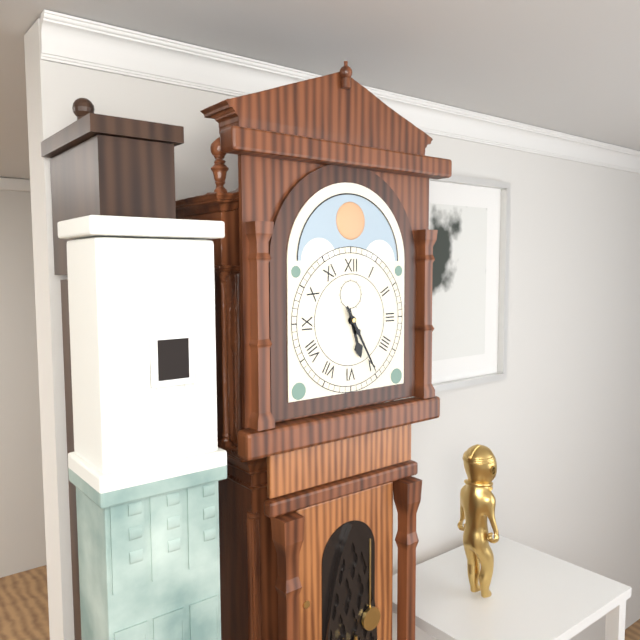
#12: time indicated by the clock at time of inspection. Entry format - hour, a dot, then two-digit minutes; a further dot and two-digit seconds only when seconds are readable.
5.25
